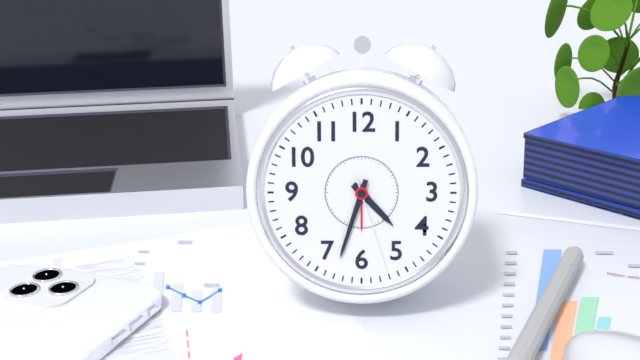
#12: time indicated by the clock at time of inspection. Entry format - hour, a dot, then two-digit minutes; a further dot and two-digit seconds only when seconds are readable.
4.33.27
